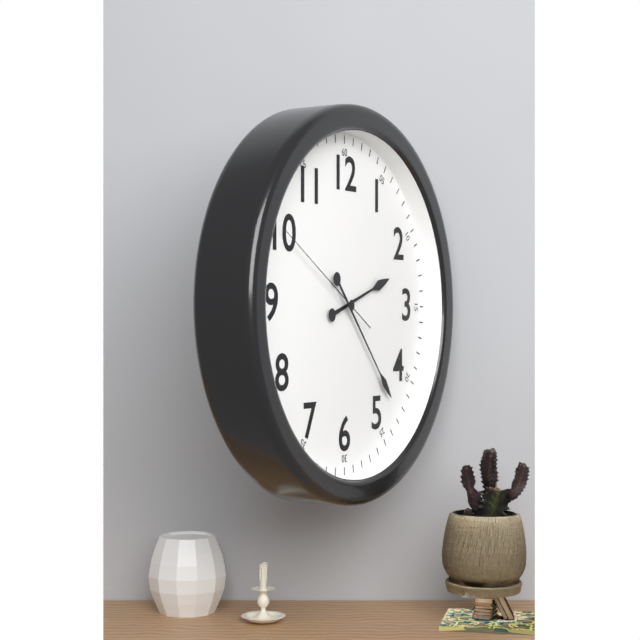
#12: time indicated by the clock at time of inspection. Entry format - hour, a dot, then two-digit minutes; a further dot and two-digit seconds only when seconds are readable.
2.23.50
